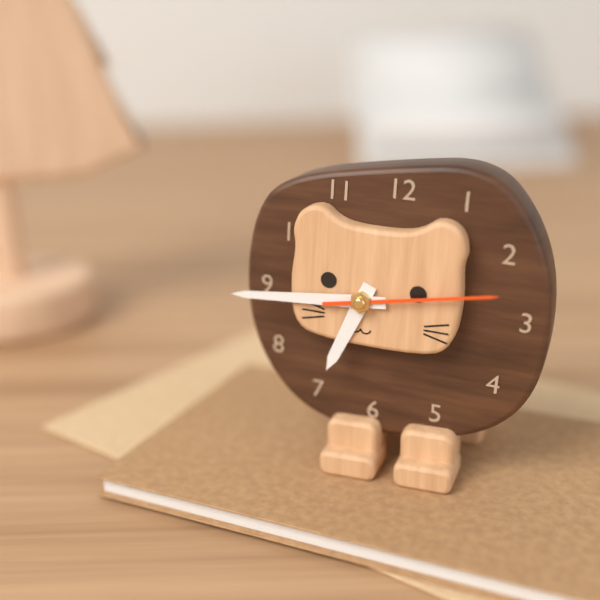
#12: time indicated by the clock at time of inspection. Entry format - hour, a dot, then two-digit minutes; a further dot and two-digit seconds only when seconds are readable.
6.44.13
